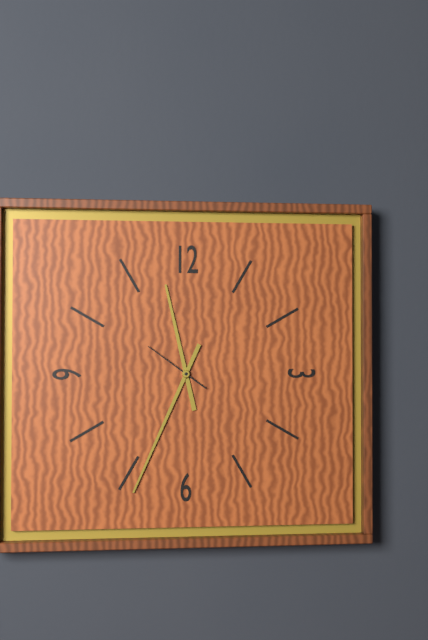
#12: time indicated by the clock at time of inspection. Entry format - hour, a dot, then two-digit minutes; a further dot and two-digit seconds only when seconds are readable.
11.34.51
